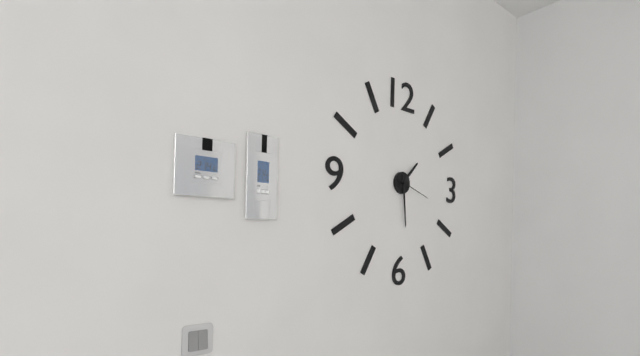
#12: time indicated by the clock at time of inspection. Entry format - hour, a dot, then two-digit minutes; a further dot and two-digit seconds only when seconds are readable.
1.29
